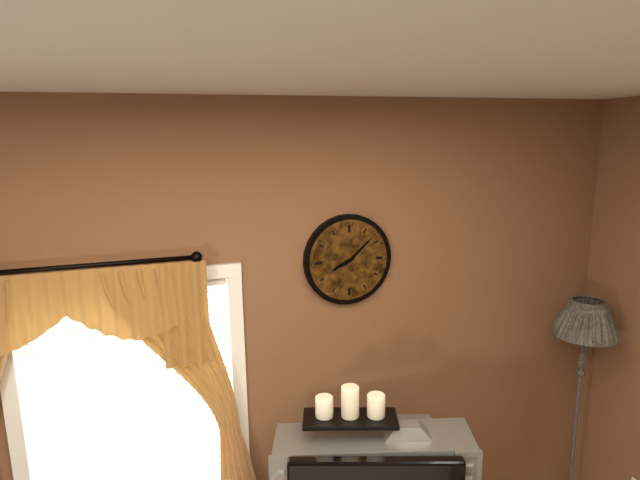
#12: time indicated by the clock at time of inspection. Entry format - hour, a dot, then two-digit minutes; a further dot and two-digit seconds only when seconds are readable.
8.08
